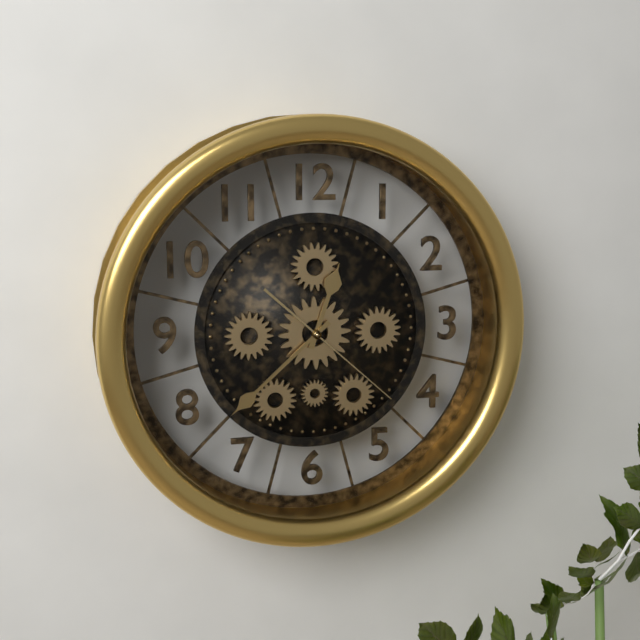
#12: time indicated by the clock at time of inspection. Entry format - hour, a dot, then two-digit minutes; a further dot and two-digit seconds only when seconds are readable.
12.38.22
